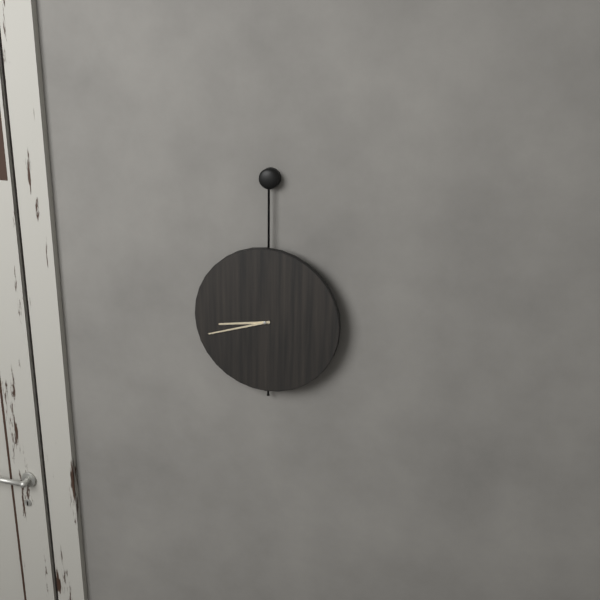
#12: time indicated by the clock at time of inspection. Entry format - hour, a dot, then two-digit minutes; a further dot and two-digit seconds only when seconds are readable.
8.42
